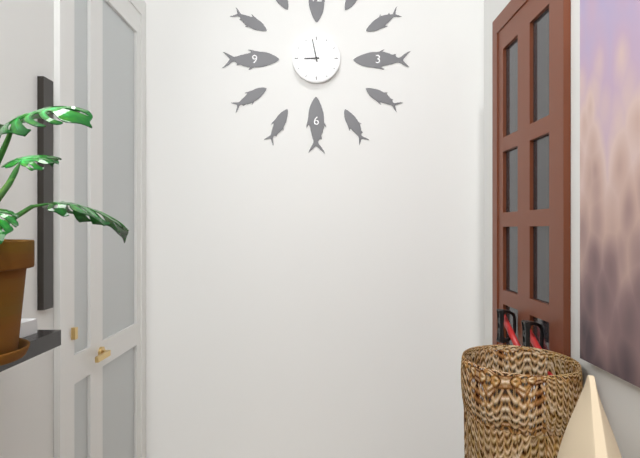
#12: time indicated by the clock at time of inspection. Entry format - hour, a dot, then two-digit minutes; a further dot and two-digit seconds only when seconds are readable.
8.58
